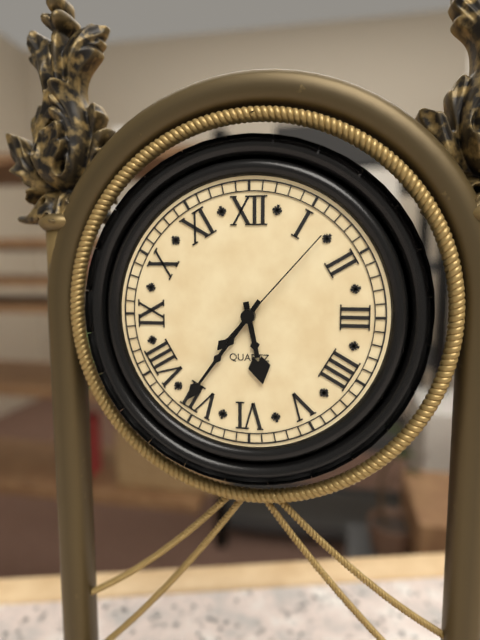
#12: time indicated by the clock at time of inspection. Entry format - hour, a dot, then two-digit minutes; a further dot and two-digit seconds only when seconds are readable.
5.36.07
